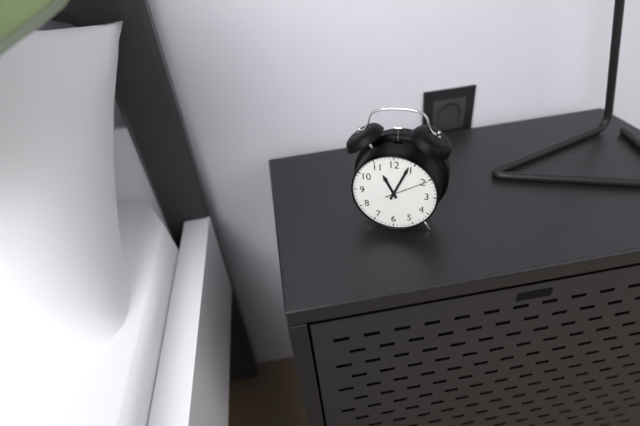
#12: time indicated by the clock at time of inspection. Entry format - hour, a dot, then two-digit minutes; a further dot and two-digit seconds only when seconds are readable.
11.04
